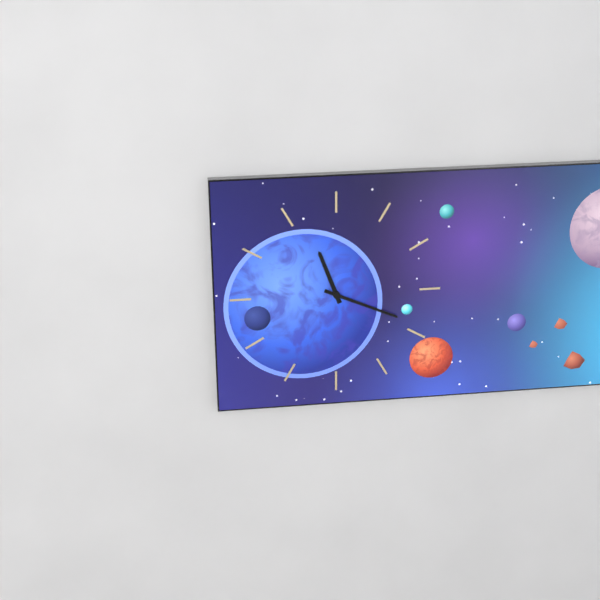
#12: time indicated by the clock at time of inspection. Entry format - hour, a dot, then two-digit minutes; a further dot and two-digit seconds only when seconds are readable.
11.19
